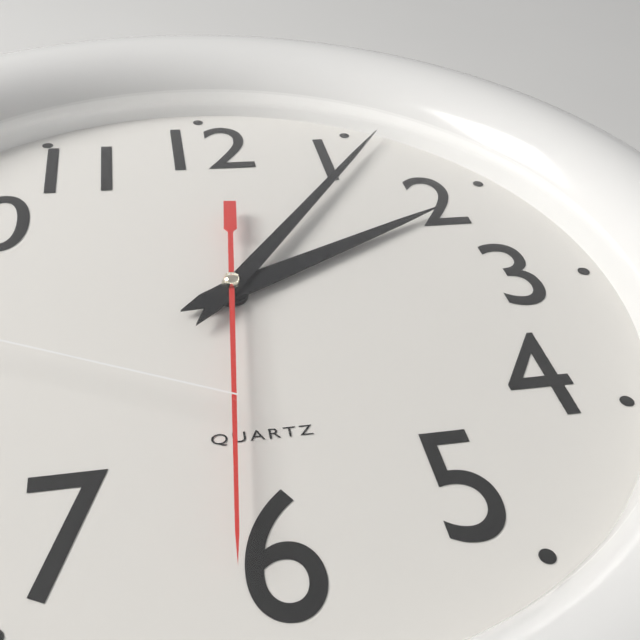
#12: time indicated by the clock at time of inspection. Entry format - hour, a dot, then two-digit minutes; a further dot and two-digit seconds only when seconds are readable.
2.06.31
